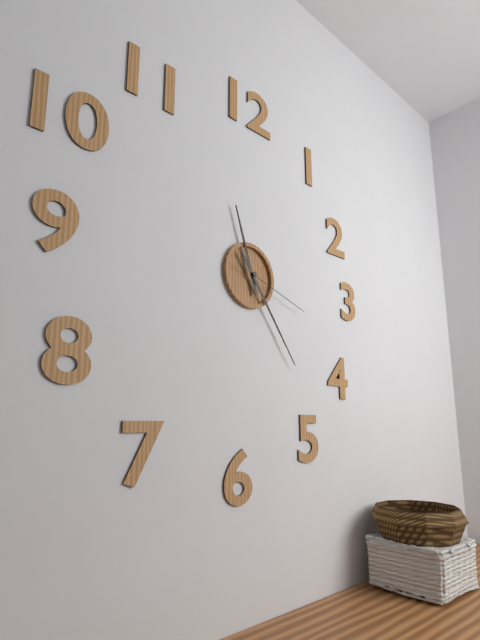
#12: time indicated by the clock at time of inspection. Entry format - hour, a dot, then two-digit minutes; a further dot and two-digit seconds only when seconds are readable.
11.24.18
